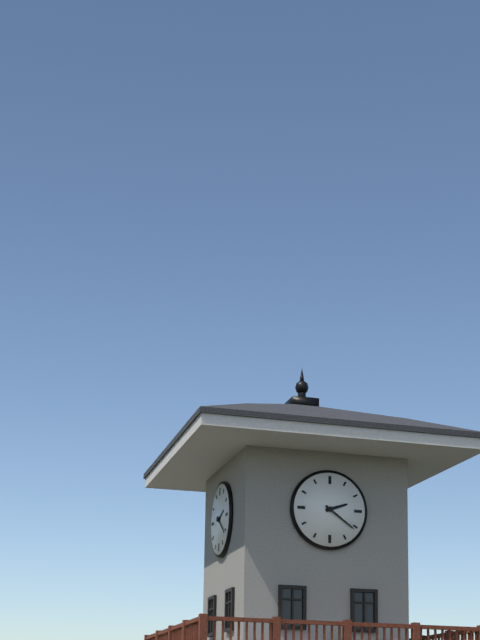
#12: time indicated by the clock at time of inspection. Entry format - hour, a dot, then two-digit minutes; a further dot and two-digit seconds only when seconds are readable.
2.21
